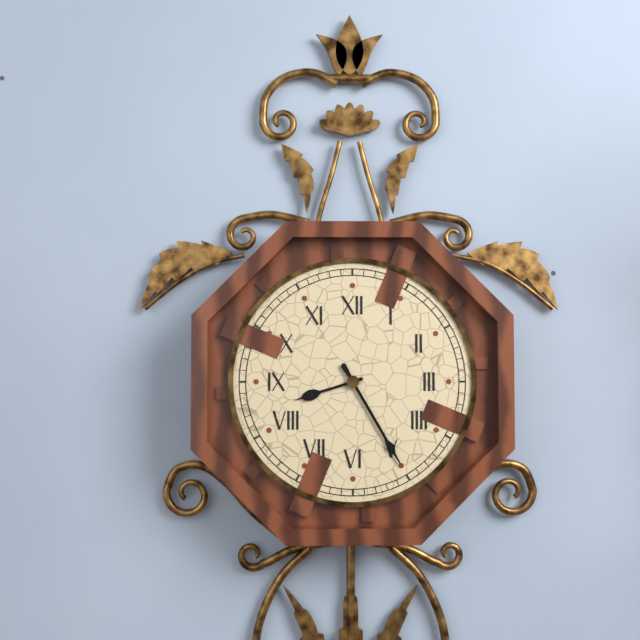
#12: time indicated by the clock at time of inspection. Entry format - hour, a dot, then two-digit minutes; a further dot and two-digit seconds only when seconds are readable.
8.25
